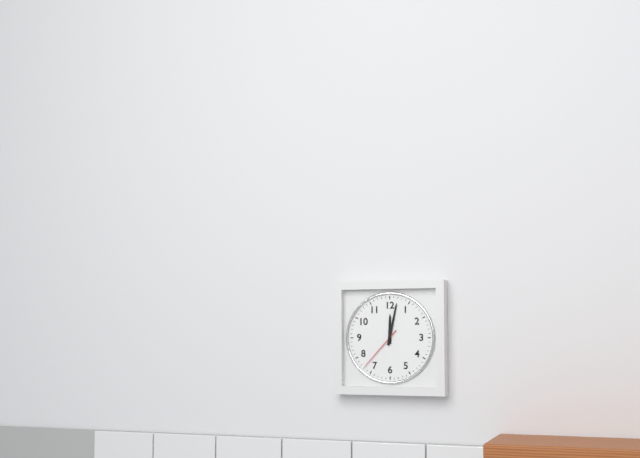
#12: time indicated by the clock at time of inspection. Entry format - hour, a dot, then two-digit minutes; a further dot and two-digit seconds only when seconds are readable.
12.02
